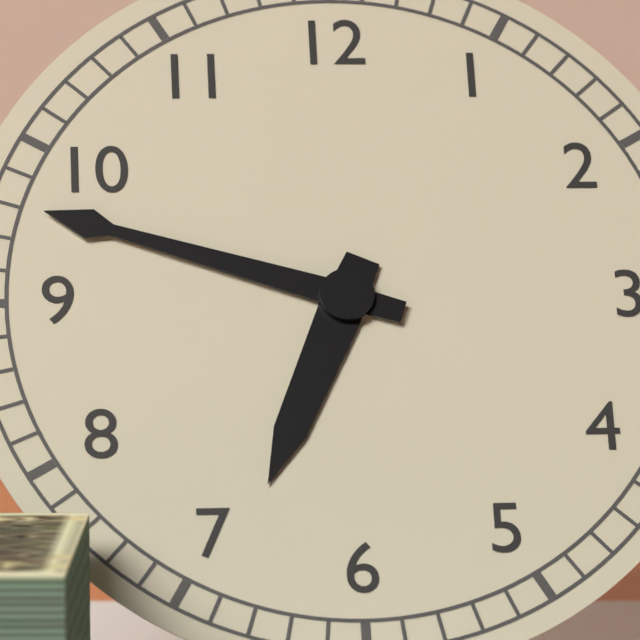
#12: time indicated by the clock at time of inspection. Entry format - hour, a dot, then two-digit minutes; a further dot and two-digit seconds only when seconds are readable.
6.48
